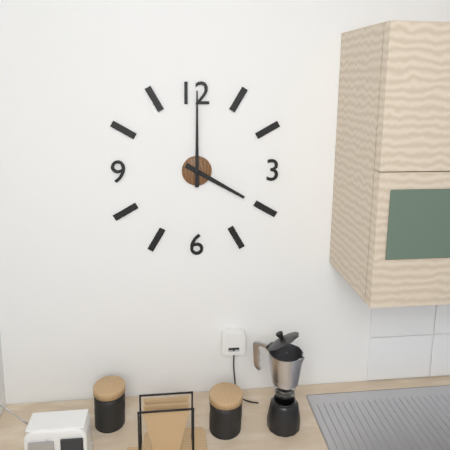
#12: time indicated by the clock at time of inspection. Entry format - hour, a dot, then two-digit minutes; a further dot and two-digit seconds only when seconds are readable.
4.00
